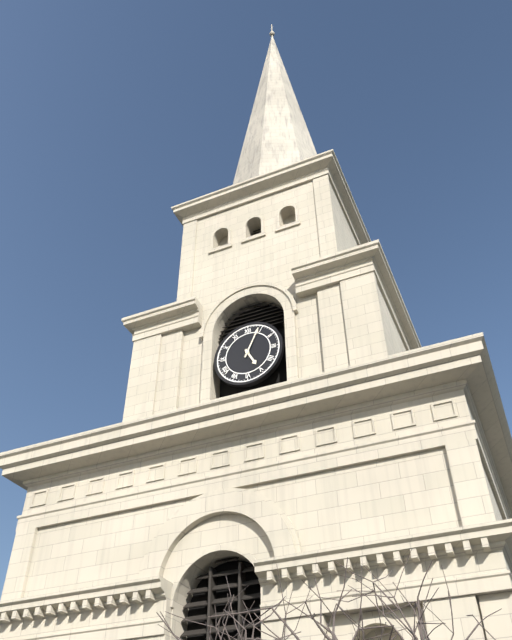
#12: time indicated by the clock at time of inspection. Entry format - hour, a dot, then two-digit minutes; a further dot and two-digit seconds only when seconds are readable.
5.04
